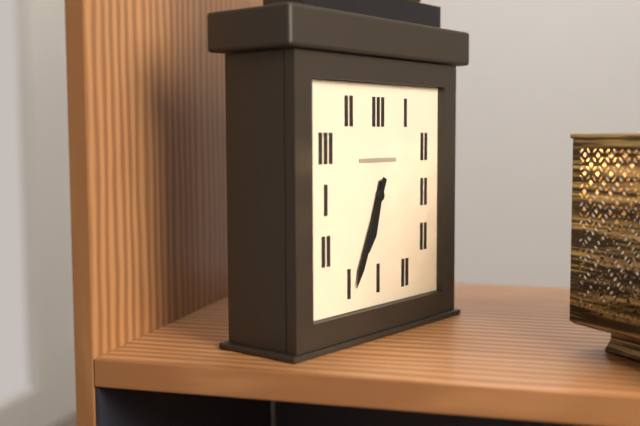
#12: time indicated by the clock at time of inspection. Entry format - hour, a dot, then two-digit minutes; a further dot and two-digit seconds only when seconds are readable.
6.34
